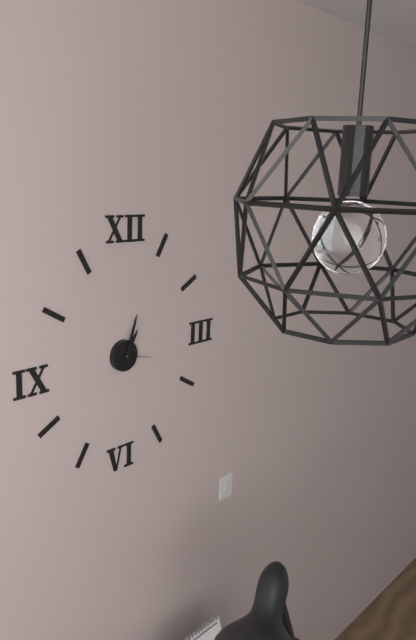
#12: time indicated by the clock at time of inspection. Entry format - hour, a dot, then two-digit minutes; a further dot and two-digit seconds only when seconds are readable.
1.03
